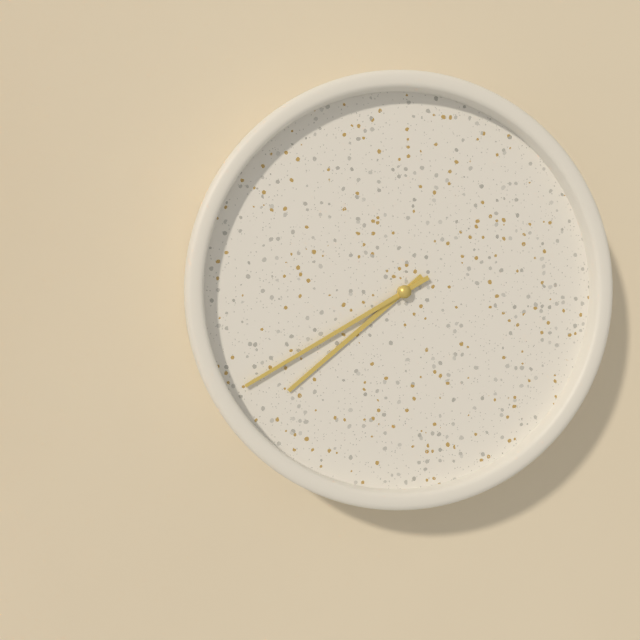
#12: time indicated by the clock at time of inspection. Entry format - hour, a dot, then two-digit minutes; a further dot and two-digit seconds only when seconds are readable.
7.40
